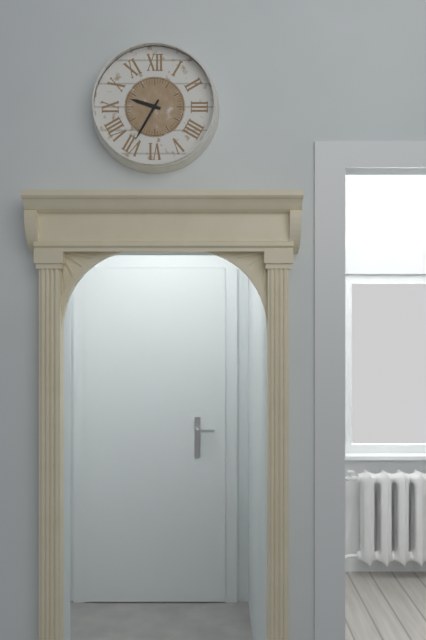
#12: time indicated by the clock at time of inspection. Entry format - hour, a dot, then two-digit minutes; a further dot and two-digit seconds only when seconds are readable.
9.35
